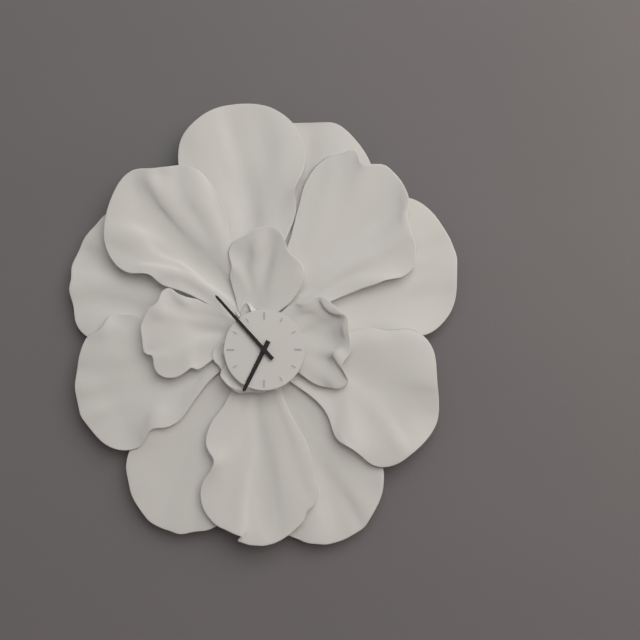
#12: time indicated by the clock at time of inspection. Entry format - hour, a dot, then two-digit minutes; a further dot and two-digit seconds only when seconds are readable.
6.53
